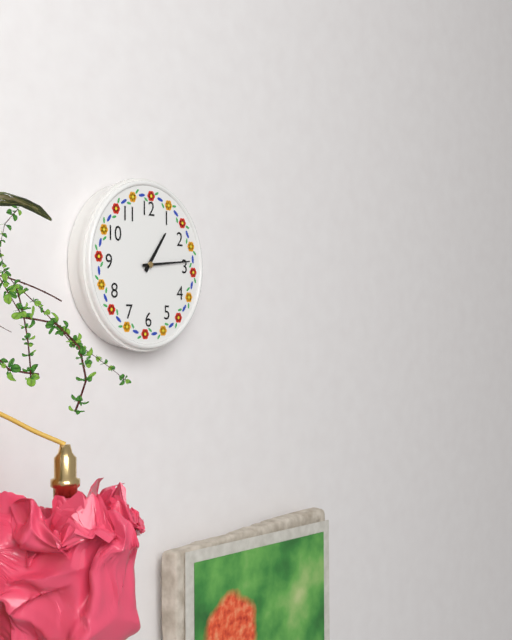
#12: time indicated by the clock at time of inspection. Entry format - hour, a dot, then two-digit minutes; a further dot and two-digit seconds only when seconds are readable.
1.14
